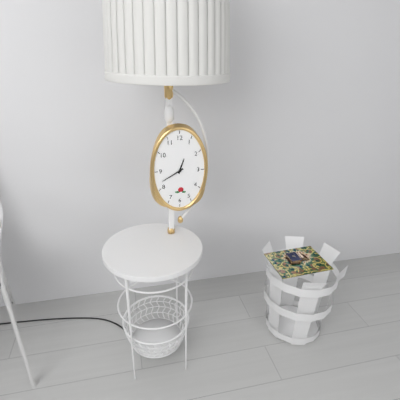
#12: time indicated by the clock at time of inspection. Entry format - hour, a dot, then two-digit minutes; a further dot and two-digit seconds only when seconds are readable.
12.40
